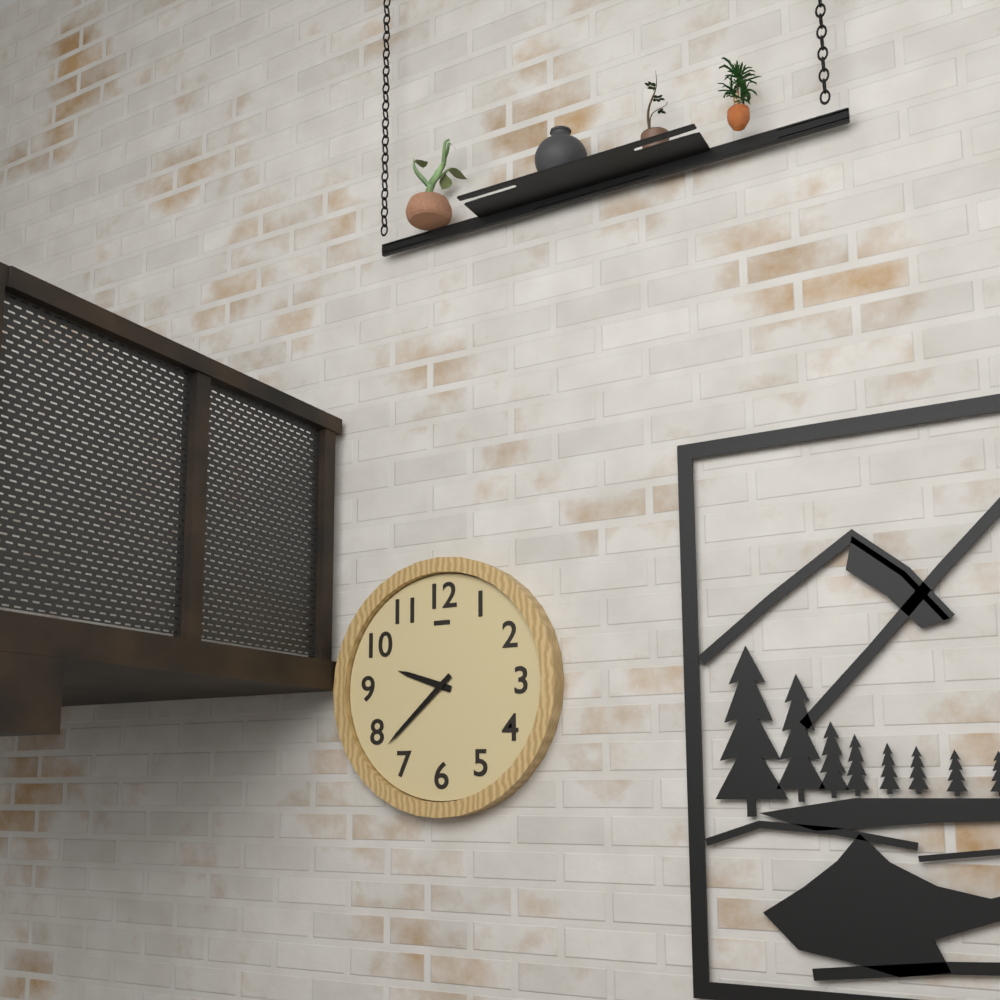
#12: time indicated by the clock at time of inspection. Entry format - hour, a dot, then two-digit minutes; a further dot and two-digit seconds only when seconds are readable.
9.38
